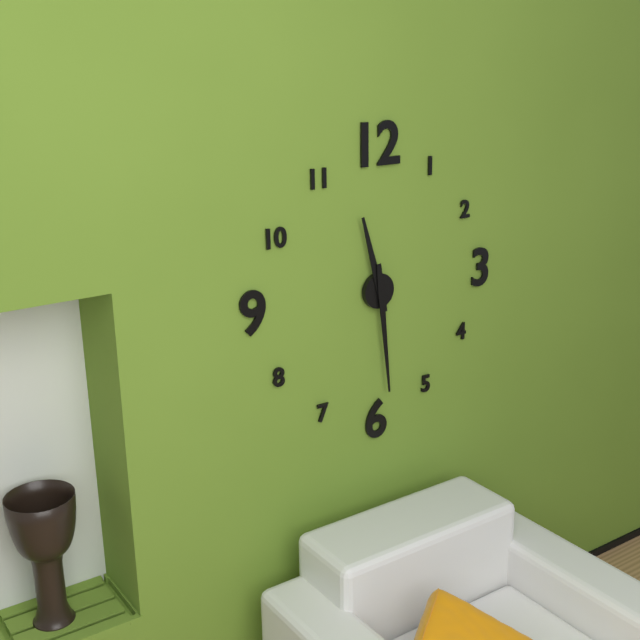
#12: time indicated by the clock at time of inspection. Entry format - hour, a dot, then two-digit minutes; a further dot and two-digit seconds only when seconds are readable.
11.29
